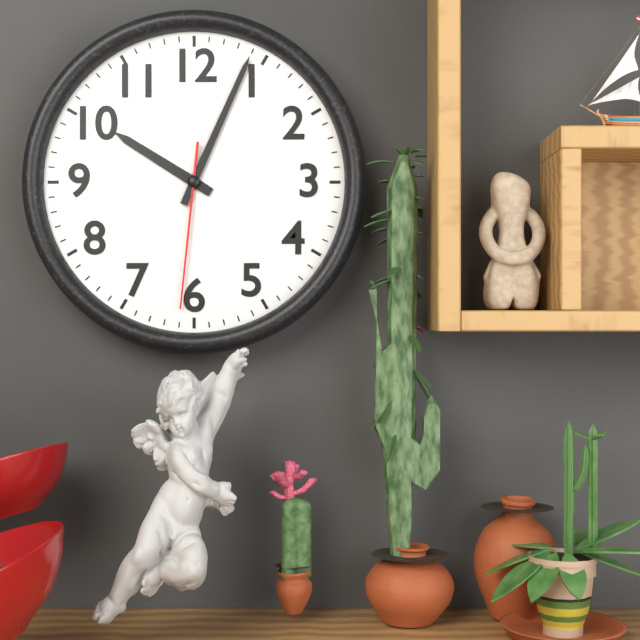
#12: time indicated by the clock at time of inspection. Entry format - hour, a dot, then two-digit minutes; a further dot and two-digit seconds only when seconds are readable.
10.04.31
